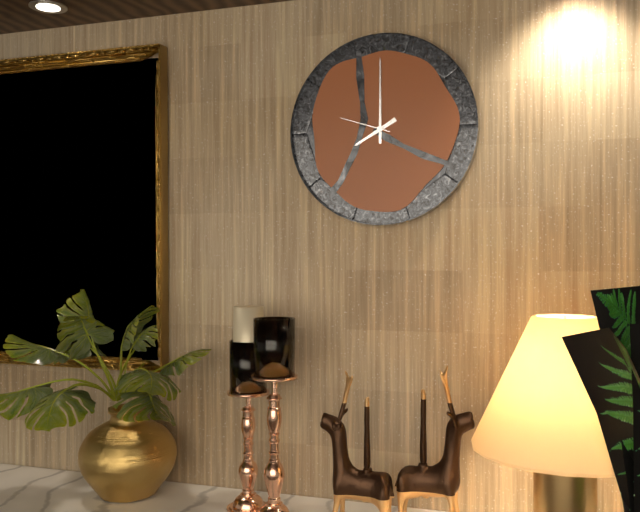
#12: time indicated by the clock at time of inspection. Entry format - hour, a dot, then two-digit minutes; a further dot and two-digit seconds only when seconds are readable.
8.00.48
